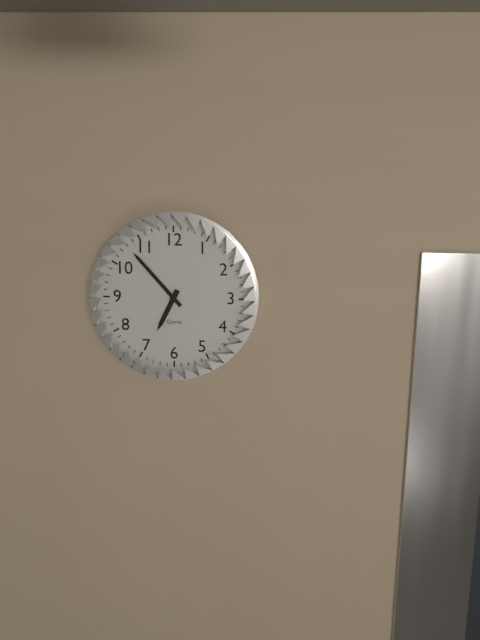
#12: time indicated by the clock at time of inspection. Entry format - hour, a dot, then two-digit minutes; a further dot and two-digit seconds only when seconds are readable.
6.53
